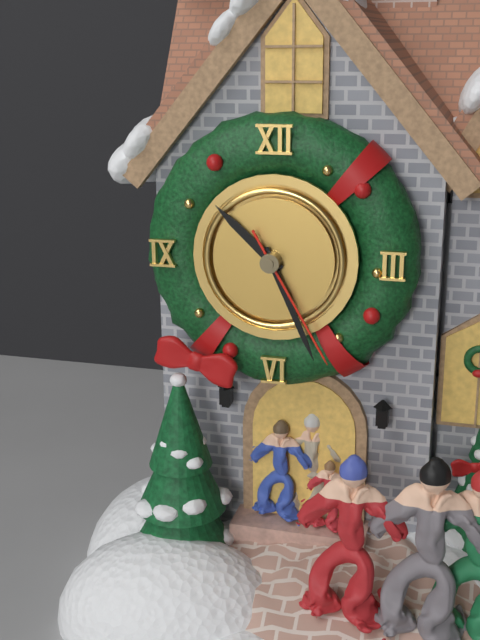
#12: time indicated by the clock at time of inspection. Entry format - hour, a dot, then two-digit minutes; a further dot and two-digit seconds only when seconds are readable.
10.26.25
